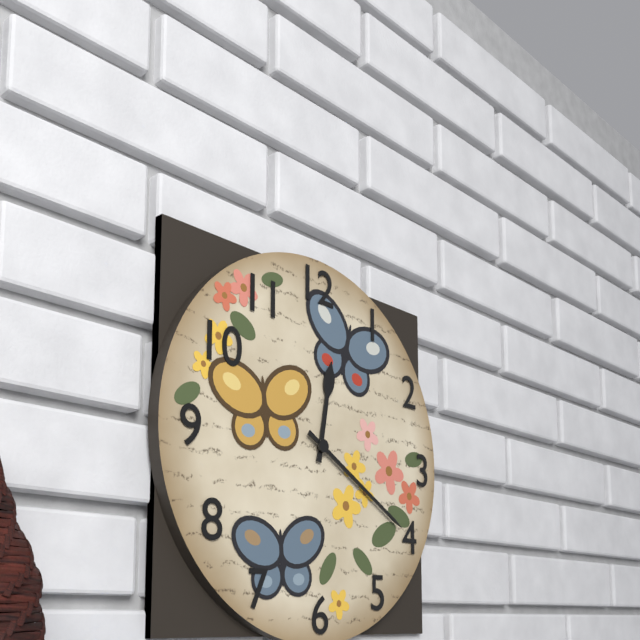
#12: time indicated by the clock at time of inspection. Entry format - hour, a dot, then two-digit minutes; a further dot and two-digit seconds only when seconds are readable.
12.20
